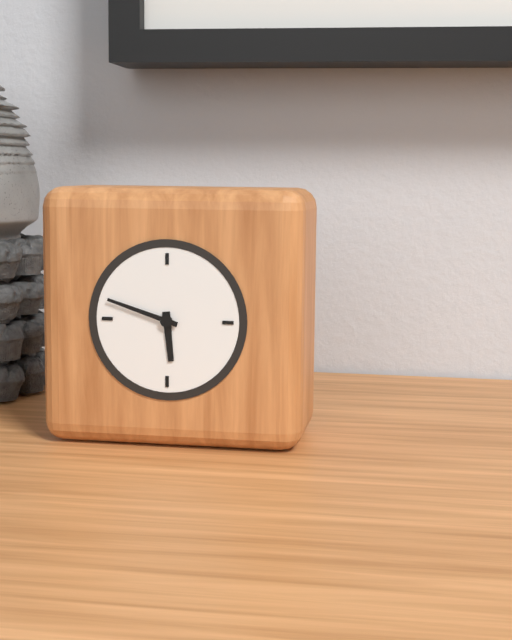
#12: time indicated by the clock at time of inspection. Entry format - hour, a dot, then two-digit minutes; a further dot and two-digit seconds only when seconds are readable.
5.48
